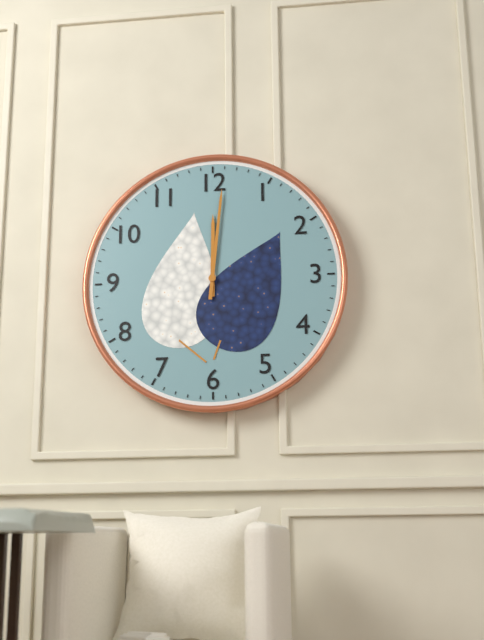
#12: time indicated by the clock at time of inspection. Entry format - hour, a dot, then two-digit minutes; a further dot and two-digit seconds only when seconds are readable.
12.01
